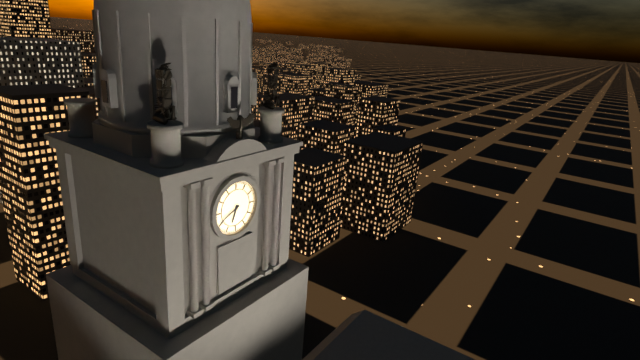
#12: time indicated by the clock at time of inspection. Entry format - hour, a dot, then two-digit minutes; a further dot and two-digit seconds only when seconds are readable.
6.41
